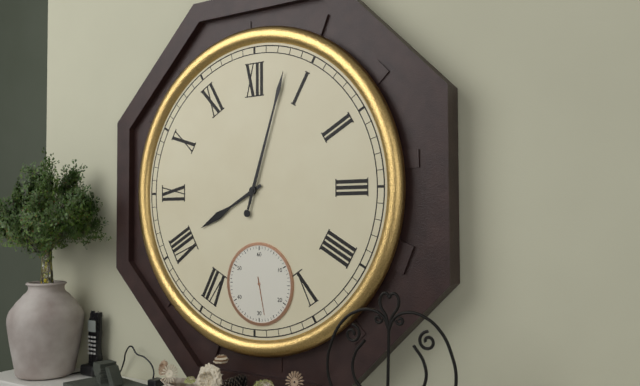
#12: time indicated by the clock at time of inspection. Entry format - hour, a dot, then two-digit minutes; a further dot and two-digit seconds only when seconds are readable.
8.03
